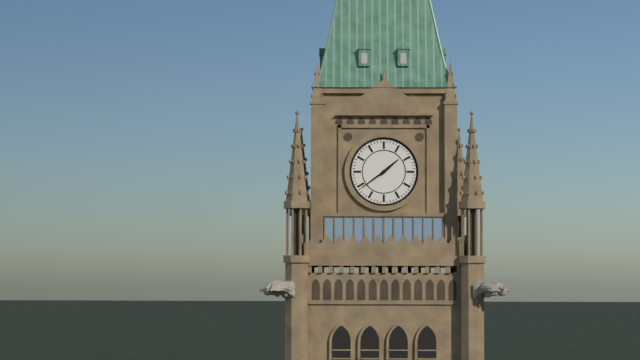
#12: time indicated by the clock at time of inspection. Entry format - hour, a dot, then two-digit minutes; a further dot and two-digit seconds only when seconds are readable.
1.39
